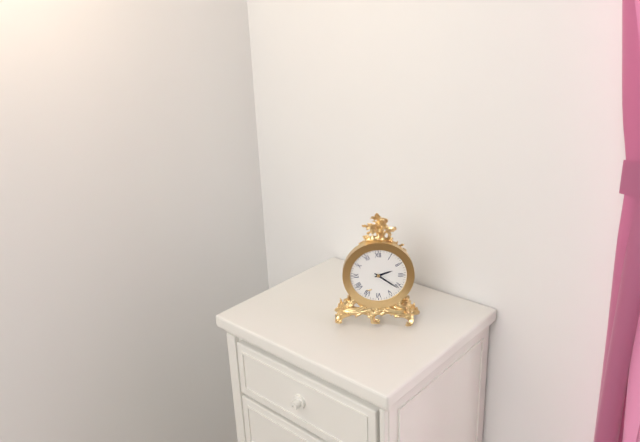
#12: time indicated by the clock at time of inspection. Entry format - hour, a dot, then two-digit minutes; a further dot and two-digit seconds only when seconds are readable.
2.21
